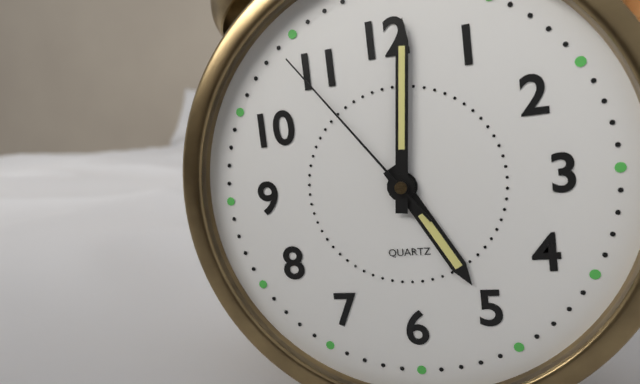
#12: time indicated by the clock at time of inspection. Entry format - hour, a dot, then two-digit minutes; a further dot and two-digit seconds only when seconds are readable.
5.01.54
